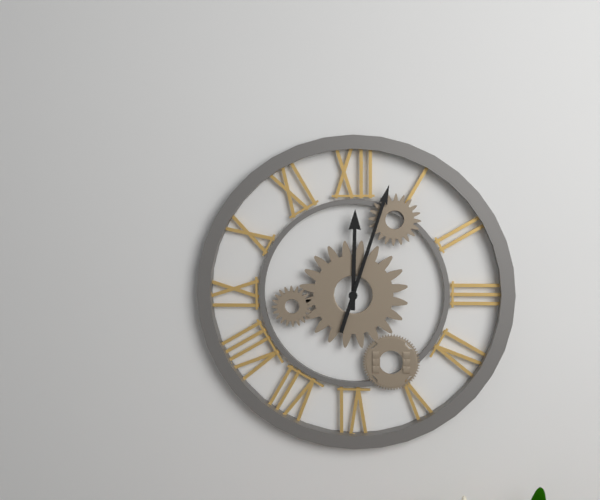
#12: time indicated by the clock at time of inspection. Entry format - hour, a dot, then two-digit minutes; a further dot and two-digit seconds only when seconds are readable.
12.03
